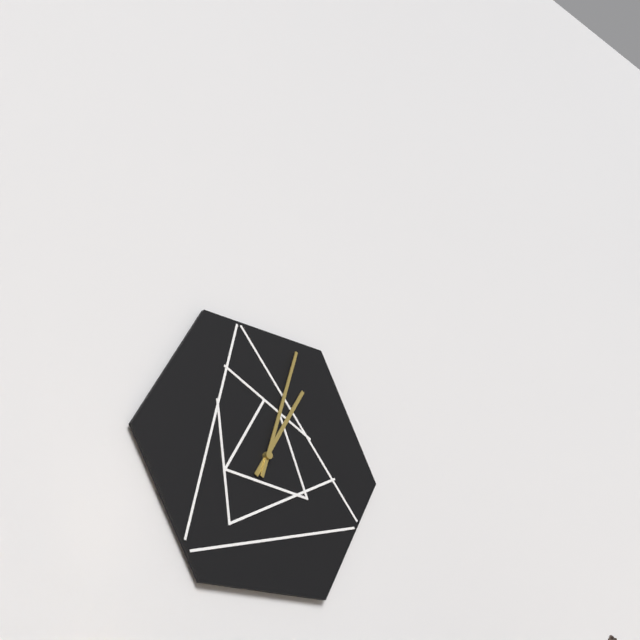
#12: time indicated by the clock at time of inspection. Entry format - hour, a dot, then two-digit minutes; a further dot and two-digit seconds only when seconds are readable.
1.03
